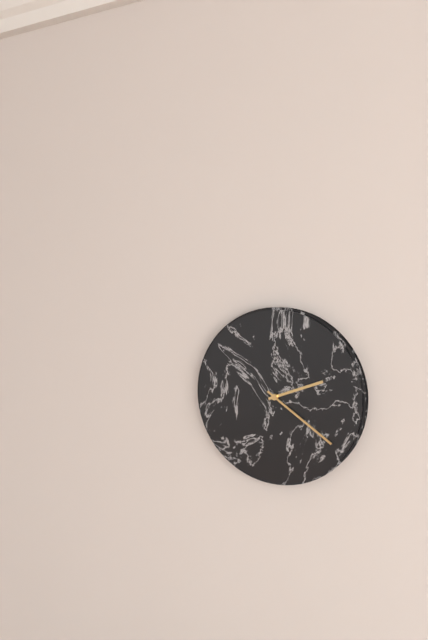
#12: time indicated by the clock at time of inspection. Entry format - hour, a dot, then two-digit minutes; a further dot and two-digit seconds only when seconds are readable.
2.21
